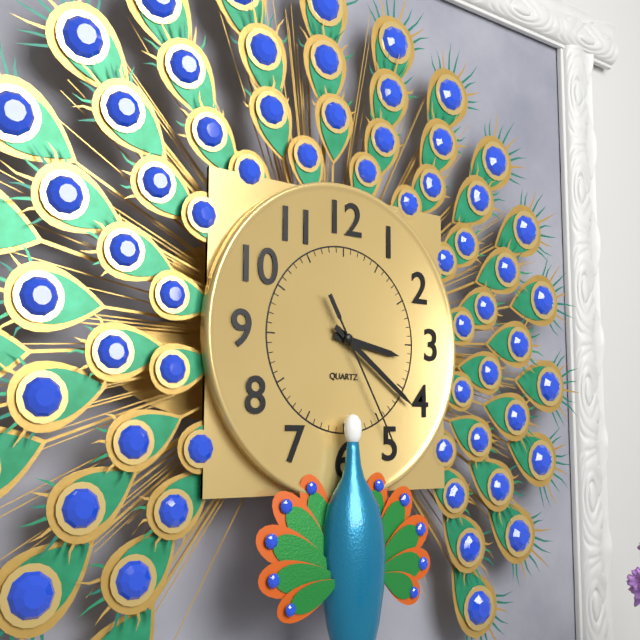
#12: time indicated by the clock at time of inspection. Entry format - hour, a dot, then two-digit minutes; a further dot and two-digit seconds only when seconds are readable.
3.21.25
